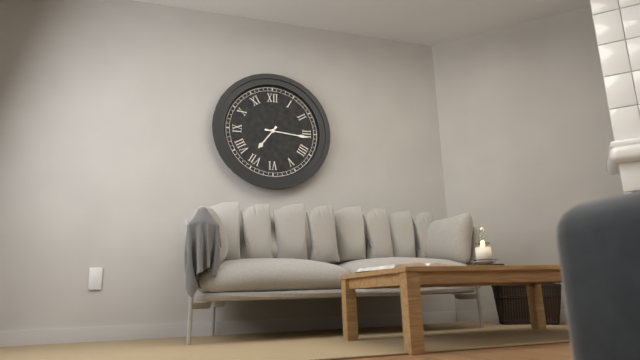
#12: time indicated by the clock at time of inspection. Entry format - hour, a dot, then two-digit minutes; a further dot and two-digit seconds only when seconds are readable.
7.16
